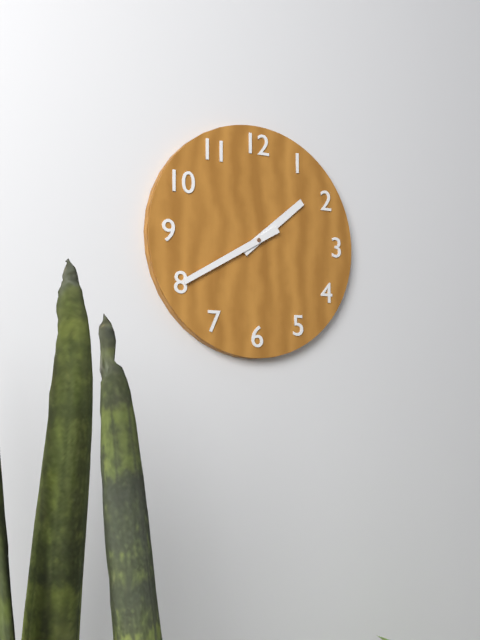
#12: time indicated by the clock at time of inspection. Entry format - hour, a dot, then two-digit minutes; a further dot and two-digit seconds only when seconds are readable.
1.40
